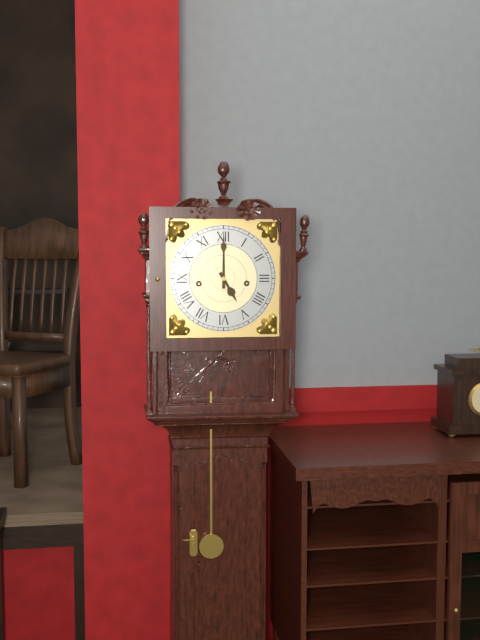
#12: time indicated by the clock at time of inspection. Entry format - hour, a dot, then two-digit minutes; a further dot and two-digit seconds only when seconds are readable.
5.00
